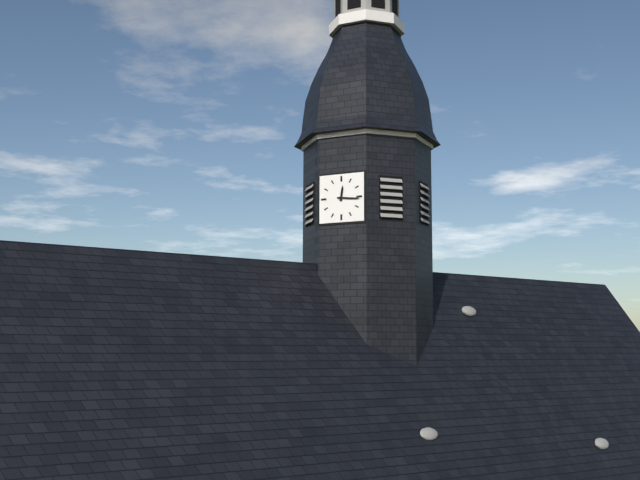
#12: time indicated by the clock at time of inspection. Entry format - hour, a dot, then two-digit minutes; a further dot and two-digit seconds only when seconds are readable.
12.16
